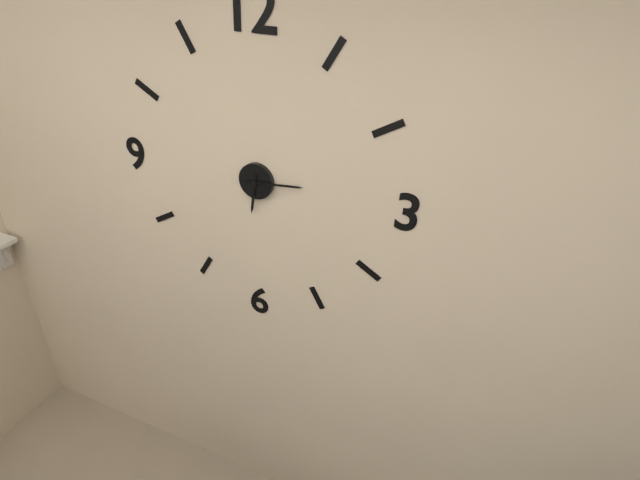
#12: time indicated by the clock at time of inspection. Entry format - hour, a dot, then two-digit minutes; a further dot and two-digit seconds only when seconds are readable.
6.14
